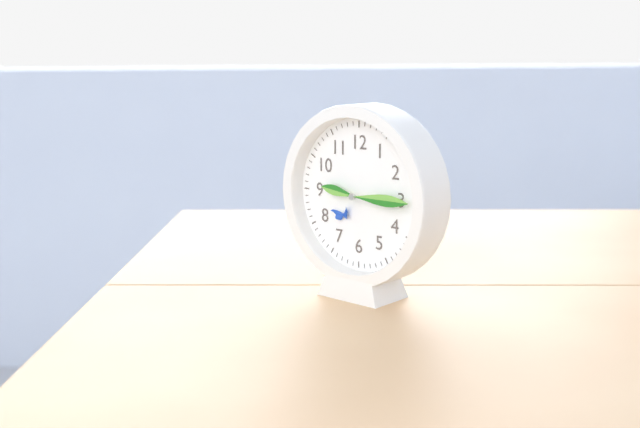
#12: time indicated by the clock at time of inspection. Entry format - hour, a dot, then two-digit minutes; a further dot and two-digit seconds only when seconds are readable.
9.15
